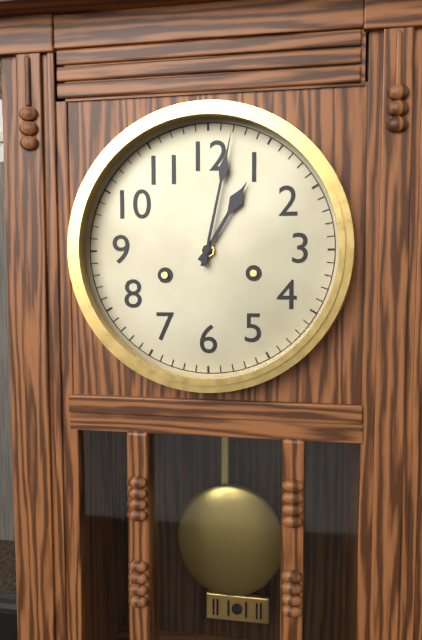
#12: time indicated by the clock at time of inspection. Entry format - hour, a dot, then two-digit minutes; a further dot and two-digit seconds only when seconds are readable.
1.02
